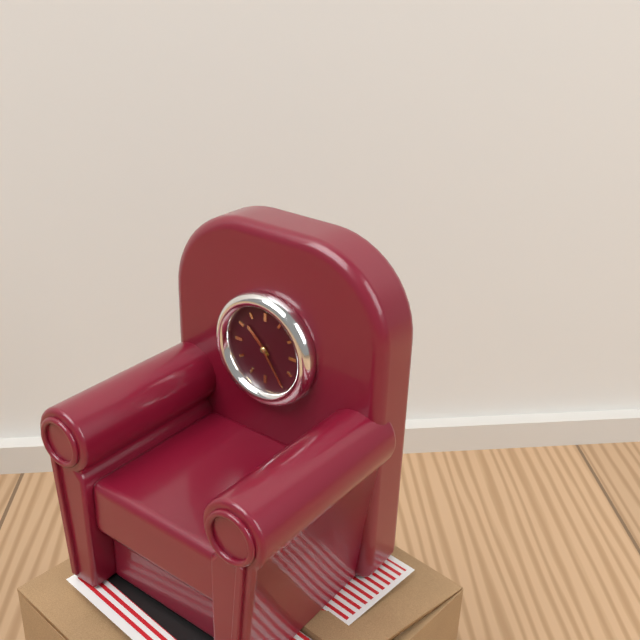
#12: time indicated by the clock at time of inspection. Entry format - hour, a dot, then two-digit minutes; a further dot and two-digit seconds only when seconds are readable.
10.24
